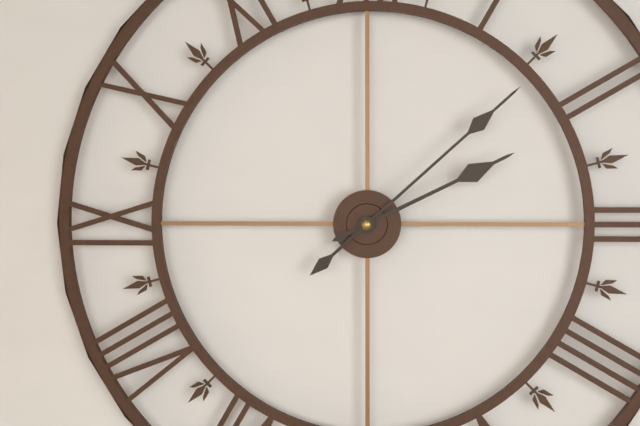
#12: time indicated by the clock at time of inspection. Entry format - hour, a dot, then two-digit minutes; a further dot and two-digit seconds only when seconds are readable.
2.08
